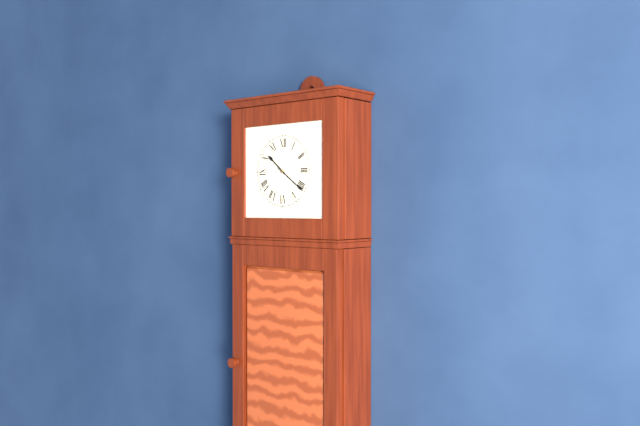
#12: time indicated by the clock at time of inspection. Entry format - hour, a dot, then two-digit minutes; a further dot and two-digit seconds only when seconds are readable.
10.21
